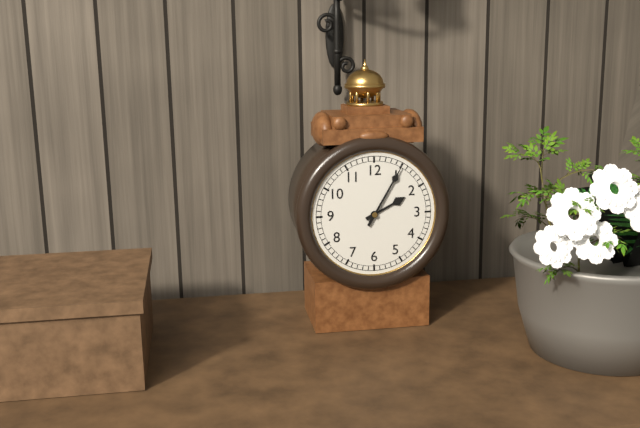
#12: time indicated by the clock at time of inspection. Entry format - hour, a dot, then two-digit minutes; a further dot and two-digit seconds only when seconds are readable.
2.05
